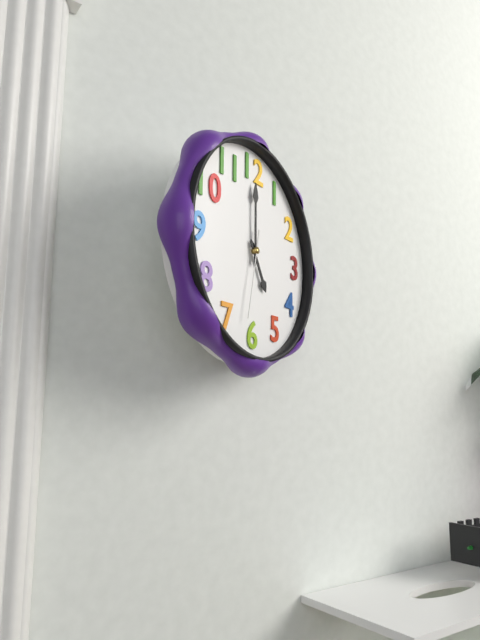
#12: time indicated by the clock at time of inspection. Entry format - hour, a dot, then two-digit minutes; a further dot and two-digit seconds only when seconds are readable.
5.00.32
